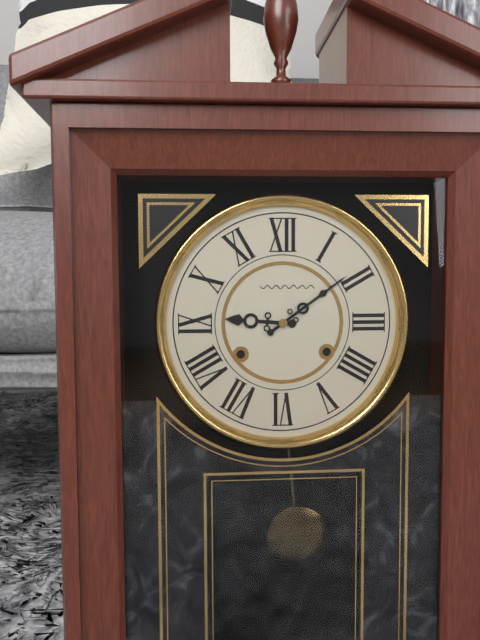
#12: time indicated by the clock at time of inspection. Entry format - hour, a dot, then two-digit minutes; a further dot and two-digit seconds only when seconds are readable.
9.09
